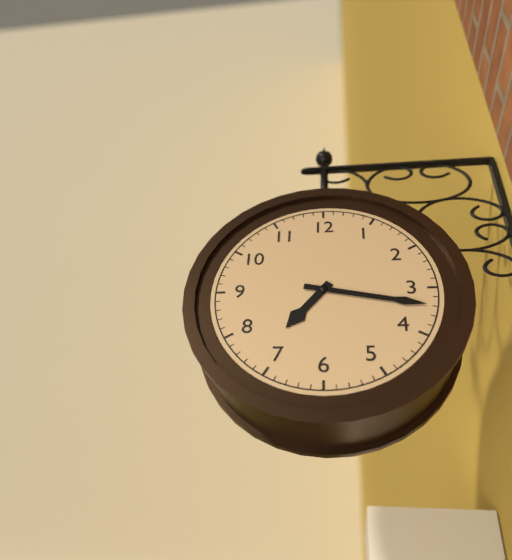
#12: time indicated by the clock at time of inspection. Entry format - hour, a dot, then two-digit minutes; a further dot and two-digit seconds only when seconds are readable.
7.17
